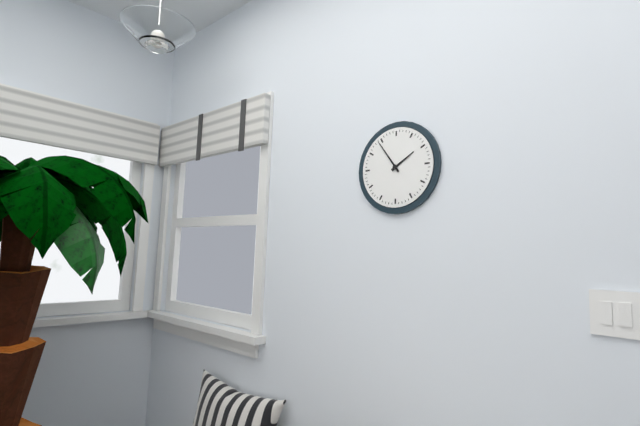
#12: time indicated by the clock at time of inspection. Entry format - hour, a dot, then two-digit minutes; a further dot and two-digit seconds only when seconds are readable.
1.54
